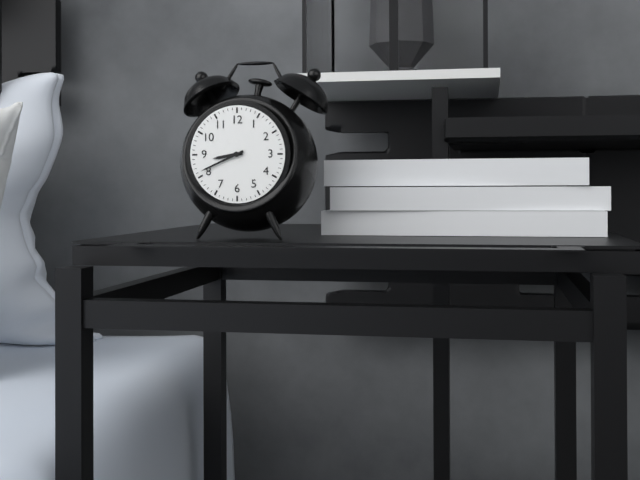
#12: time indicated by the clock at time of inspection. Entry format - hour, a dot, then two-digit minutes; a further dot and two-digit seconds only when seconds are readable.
8.41
